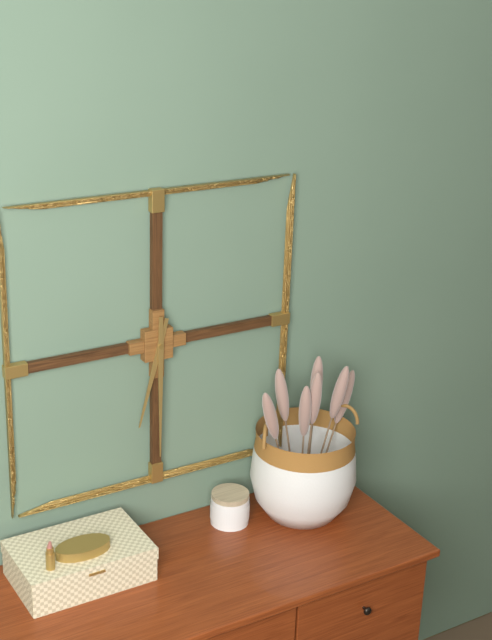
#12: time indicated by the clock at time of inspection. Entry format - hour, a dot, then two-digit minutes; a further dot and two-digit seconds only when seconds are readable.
6.30
